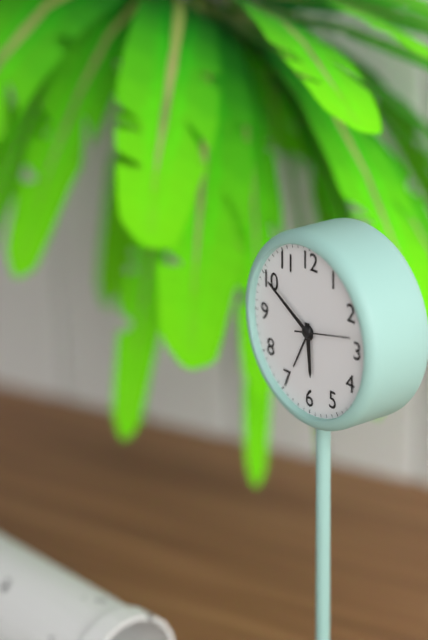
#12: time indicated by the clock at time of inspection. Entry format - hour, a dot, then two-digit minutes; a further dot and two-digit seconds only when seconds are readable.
5.50.13
